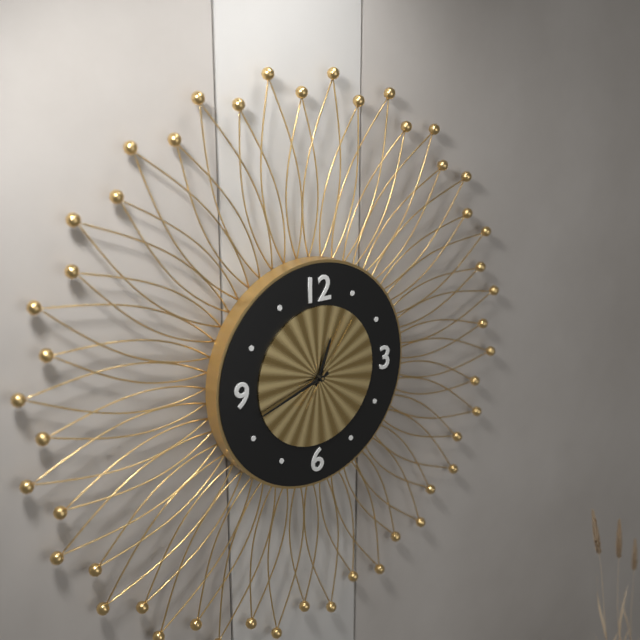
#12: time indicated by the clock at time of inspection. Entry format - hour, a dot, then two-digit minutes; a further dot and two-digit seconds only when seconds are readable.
12.42.06
